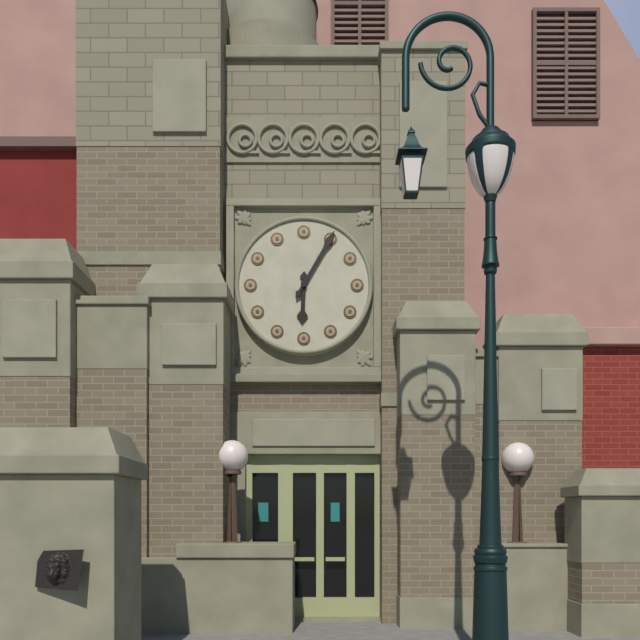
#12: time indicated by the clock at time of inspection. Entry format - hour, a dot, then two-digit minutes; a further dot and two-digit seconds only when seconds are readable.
6.05
